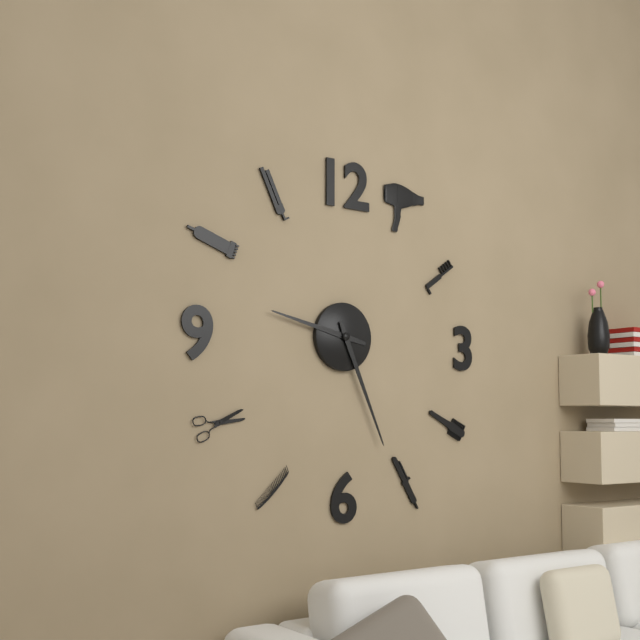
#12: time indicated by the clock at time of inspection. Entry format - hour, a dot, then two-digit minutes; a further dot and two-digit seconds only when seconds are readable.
9.26
